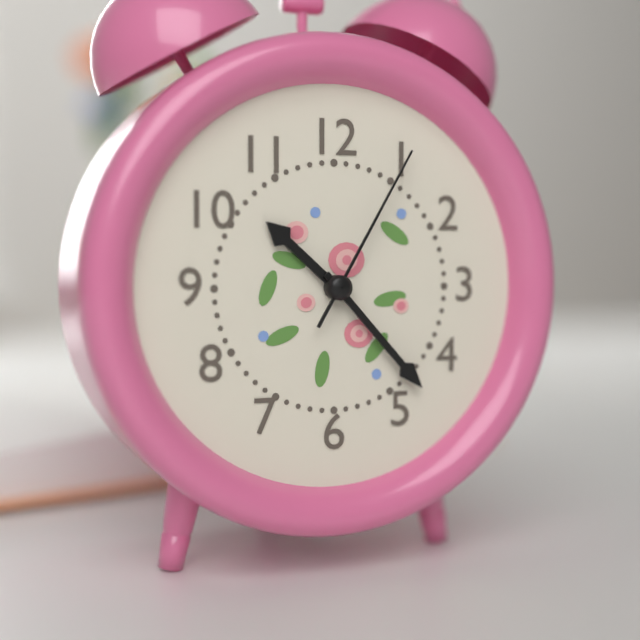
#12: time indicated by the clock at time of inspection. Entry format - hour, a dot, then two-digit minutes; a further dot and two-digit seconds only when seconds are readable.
10.23.05
